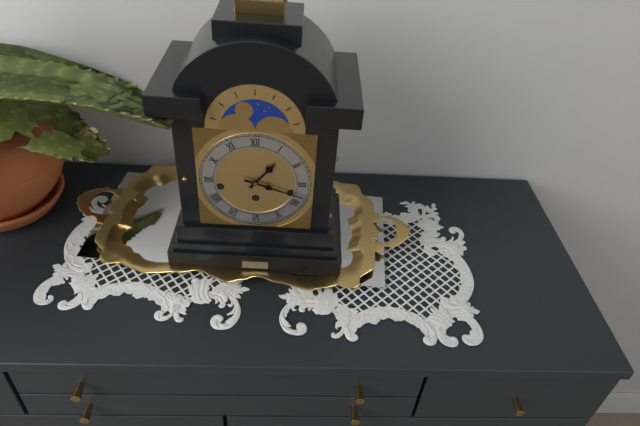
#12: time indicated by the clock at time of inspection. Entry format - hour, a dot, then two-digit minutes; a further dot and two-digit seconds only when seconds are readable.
1.18
